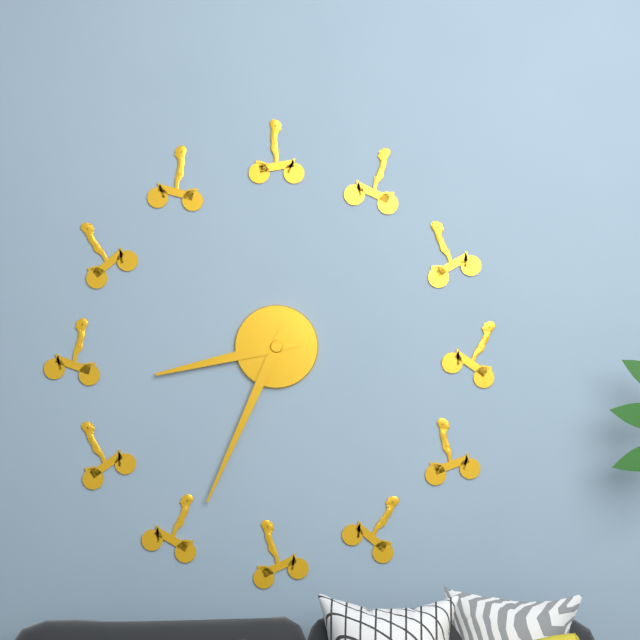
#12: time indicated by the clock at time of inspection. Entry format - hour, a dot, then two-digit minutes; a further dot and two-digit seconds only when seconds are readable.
8.34
